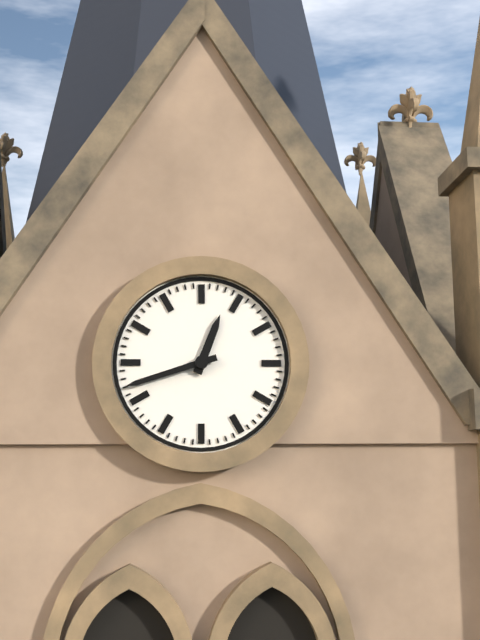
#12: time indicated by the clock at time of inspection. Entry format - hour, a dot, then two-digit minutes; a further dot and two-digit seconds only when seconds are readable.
12.42
